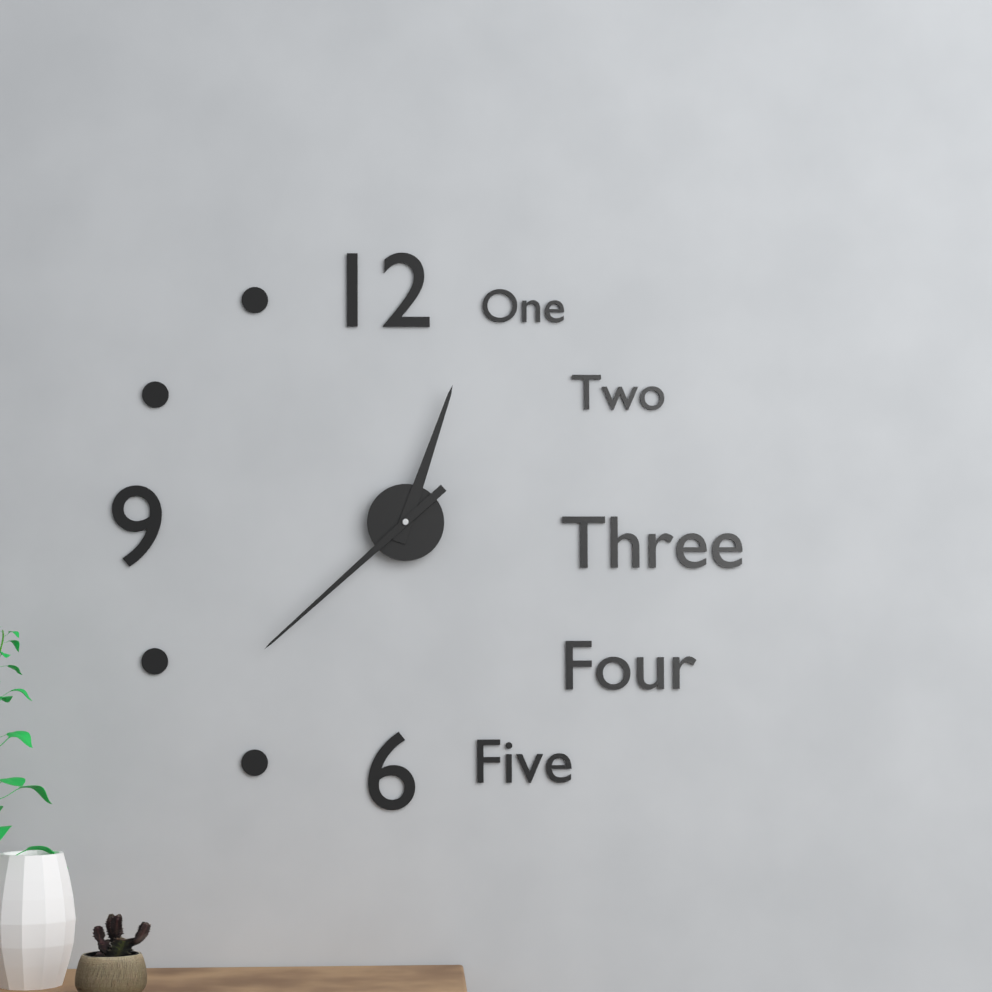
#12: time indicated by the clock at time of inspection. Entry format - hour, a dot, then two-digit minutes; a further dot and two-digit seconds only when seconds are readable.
12.38
